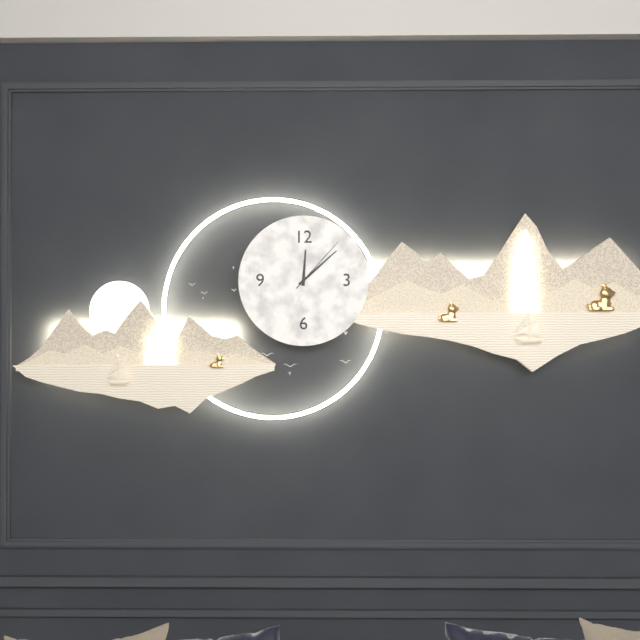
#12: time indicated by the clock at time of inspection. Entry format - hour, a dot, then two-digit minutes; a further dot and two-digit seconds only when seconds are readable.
12.08.07
